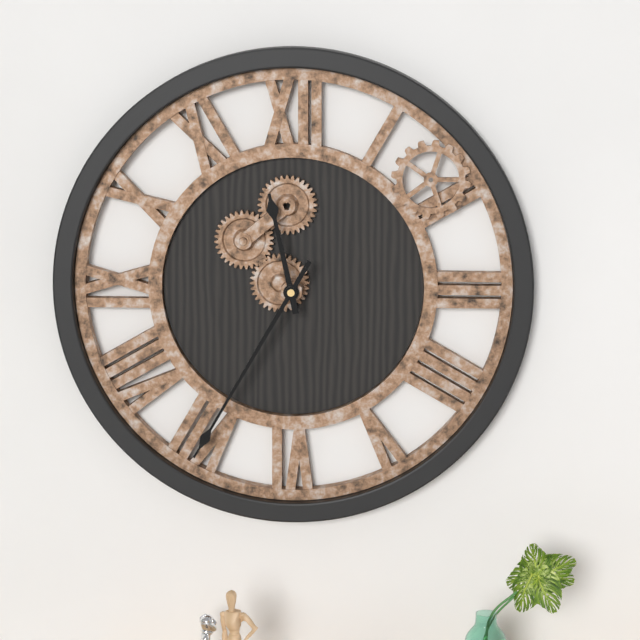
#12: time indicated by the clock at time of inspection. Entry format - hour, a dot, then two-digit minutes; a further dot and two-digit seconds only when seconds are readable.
11.35
